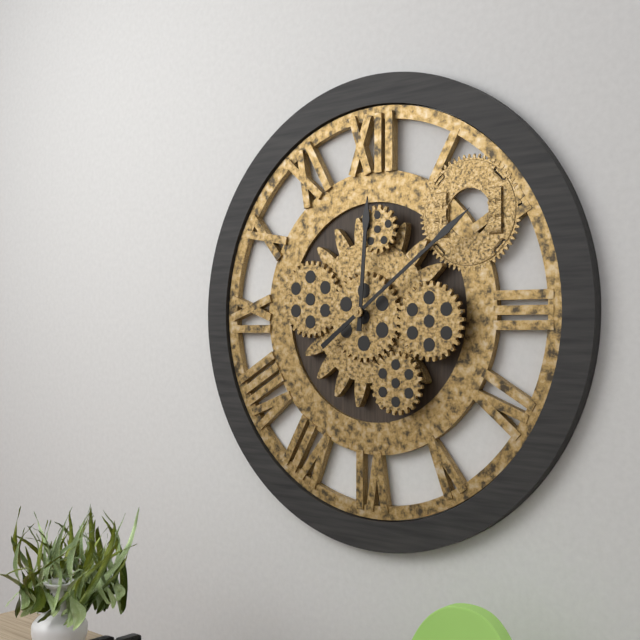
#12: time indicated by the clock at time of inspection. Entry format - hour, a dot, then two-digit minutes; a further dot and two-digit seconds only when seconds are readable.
12.09
